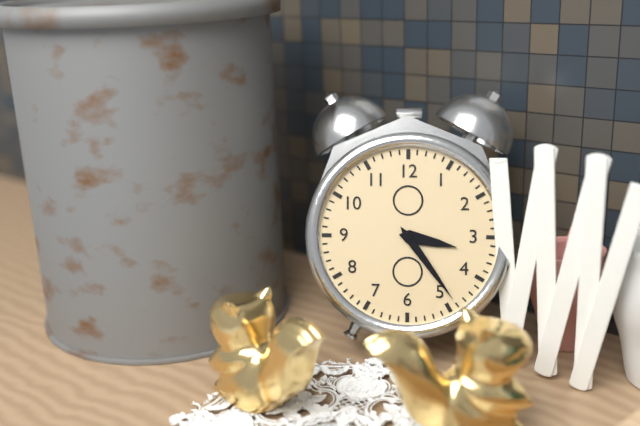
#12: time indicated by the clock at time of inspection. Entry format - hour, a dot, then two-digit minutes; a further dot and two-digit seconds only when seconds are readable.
3.24
